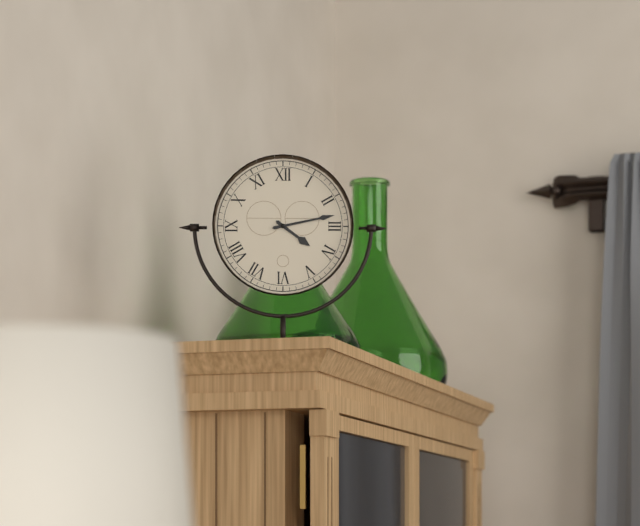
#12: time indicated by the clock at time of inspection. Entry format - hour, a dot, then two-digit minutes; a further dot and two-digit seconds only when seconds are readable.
4.13
